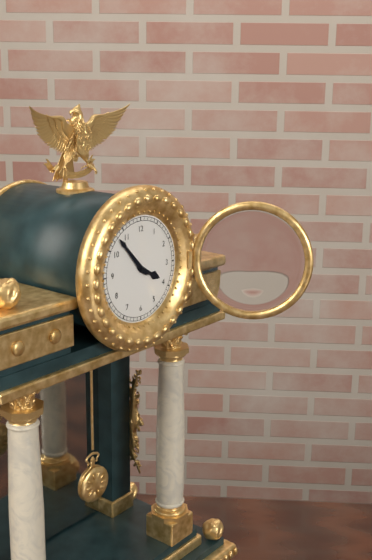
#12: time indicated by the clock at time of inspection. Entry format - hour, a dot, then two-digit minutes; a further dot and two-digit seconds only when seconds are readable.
3.53
